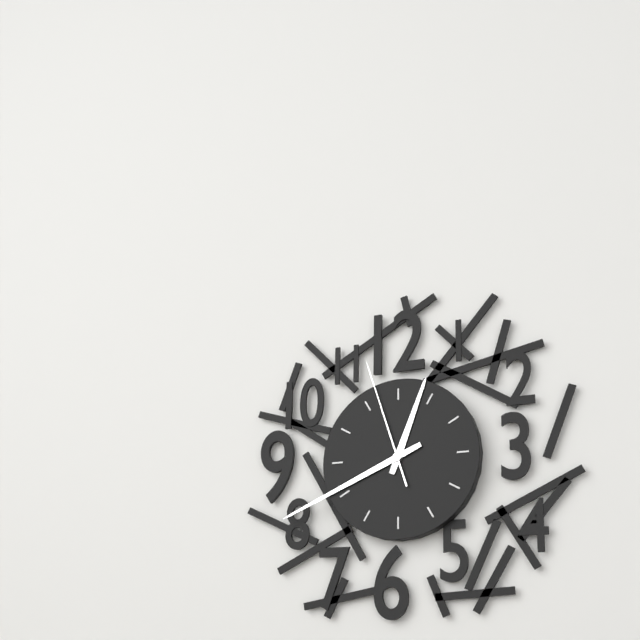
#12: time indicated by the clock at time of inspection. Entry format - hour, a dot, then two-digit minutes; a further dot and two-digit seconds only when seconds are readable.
12.41.57
